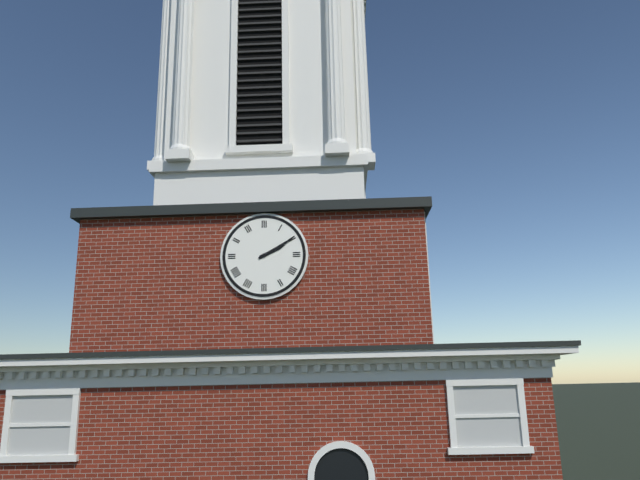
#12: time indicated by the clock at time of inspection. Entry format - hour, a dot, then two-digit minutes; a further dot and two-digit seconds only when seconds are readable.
2.10
